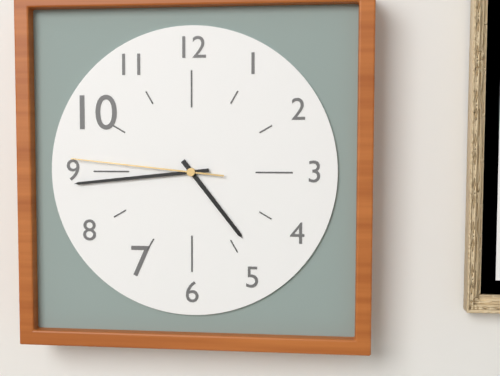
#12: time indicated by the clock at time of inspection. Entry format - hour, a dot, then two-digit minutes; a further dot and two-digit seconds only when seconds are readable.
4.44.46
